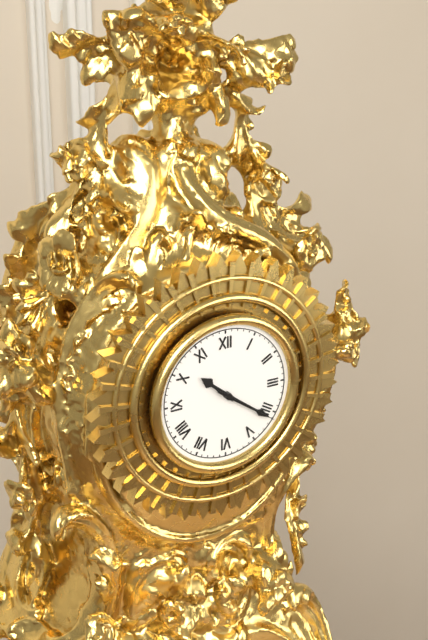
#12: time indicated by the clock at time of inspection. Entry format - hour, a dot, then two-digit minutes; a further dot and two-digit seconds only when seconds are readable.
10.21.21
